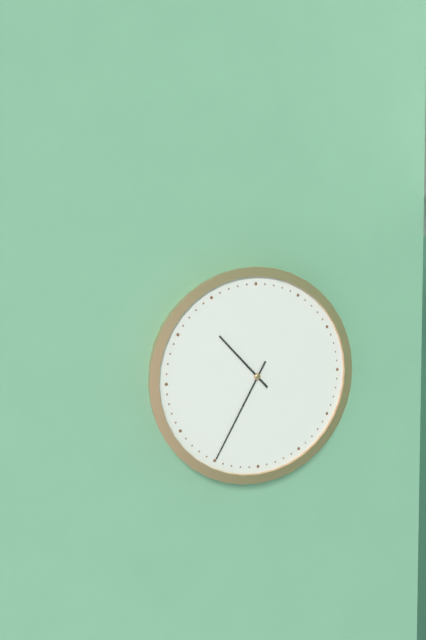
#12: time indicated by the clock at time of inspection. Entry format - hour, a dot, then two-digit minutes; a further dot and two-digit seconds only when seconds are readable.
10.35
